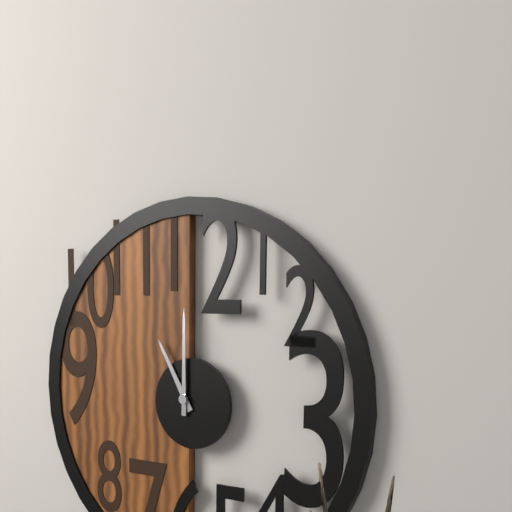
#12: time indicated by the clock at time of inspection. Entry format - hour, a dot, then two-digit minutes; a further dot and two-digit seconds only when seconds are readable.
11.00
